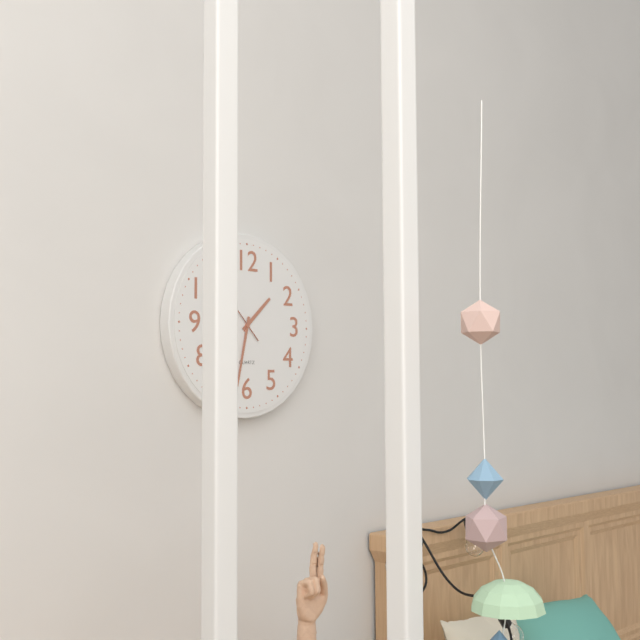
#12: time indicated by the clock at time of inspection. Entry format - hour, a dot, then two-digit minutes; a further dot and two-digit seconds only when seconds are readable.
1.32
